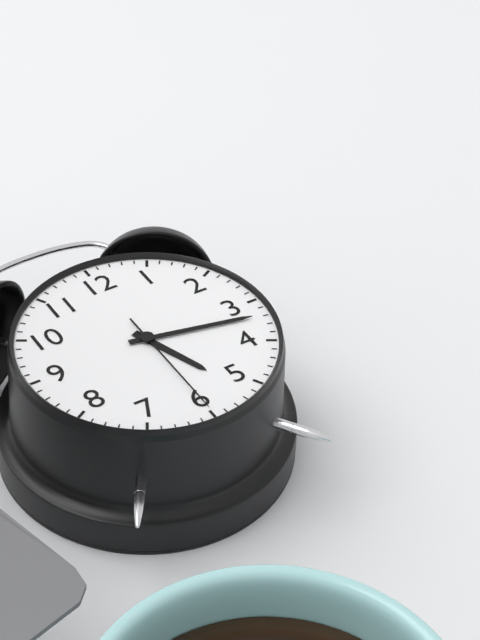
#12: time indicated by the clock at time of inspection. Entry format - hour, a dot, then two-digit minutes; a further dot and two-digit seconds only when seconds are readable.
5.17.30
